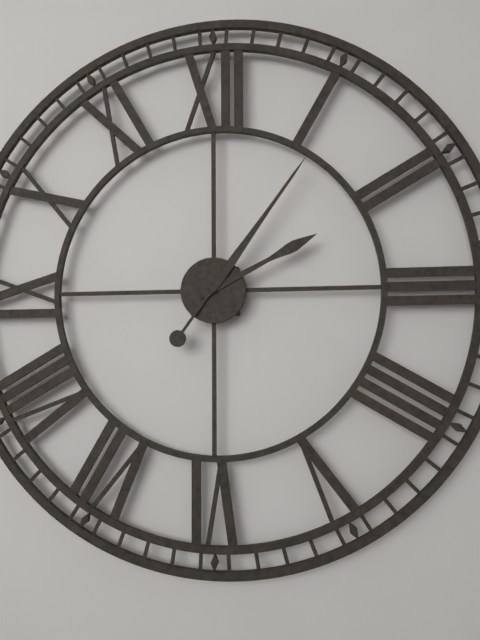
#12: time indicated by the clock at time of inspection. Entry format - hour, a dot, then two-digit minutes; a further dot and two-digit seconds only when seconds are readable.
2.06
